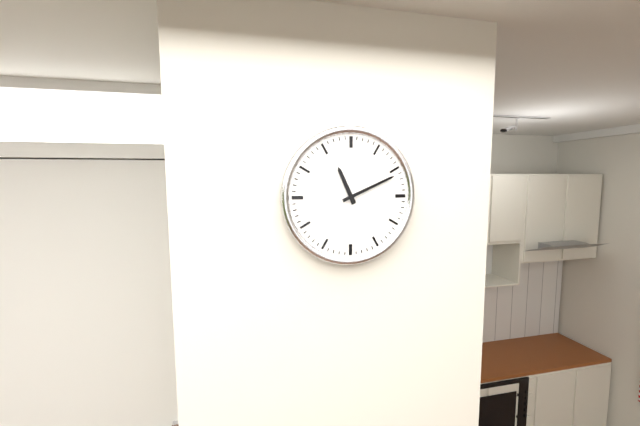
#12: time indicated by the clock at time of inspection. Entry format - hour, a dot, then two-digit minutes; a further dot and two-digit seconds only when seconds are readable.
11.11
